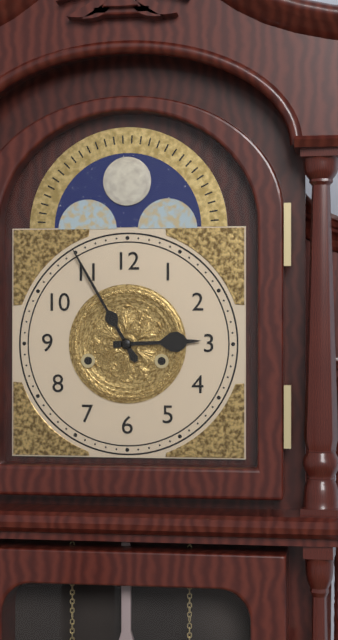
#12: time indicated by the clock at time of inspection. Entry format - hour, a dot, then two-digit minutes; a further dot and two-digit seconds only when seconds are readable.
2.55
